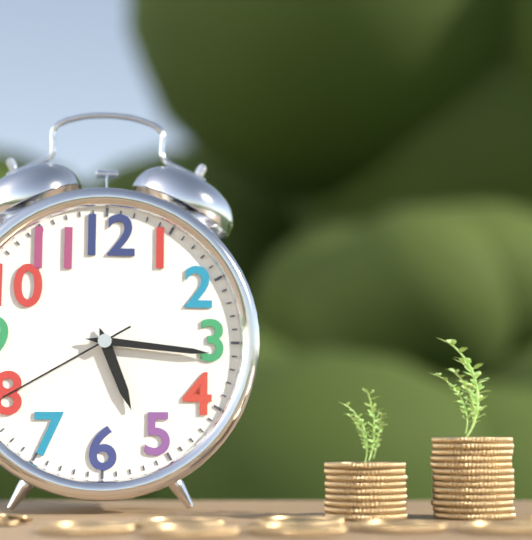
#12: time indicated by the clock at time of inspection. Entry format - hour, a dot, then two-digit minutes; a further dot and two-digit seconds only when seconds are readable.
5.16.40
